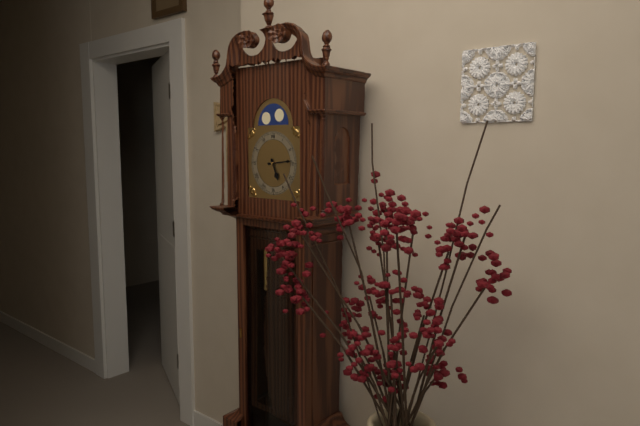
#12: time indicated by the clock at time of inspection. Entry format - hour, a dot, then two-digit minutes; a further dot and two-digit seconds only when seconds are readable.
5.14
